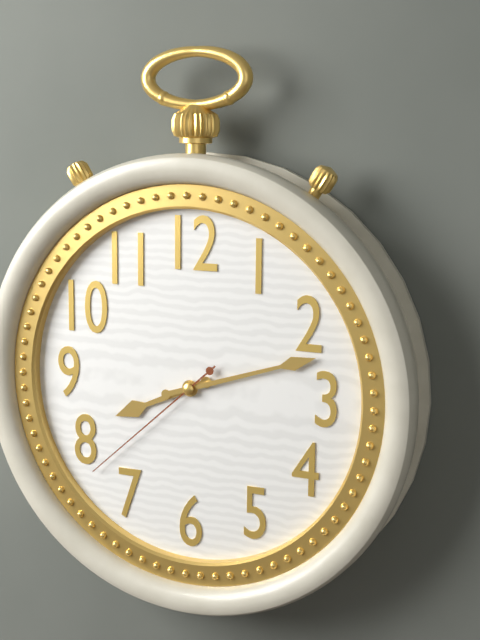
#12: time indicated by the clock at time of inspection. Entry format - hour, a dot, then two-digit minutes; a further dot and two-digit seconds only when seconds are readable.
8.12.38
